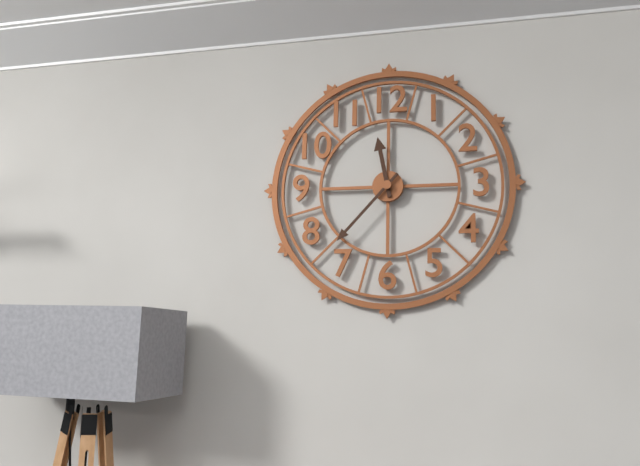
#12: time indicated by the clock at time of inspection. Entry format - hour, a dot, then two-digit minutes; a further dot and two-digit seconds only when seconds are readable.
11.37
